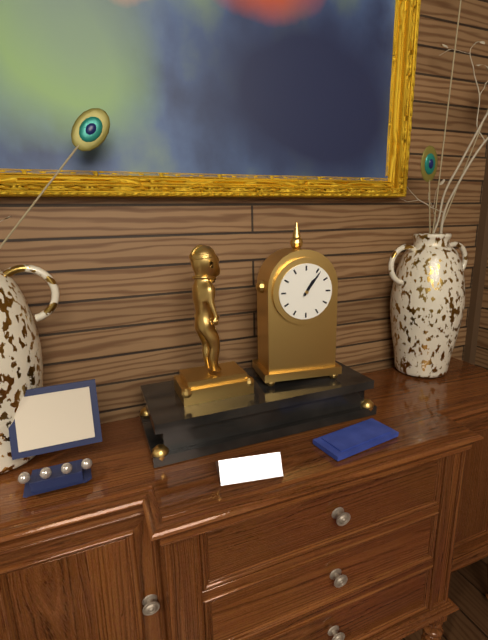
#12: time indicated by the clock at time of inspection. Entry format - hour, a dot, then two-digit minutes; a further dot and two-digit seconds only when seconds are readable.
1.06
